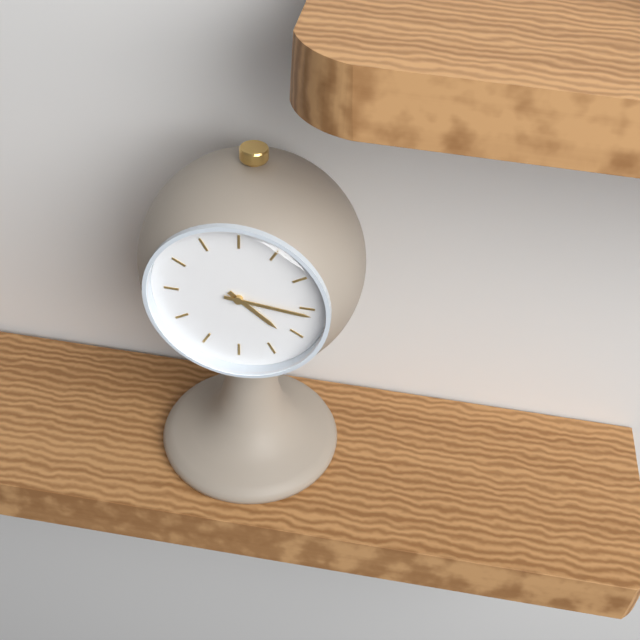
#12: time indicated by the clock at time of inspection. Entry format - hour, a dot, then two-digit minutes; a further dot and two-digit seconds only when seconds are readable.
4.16
